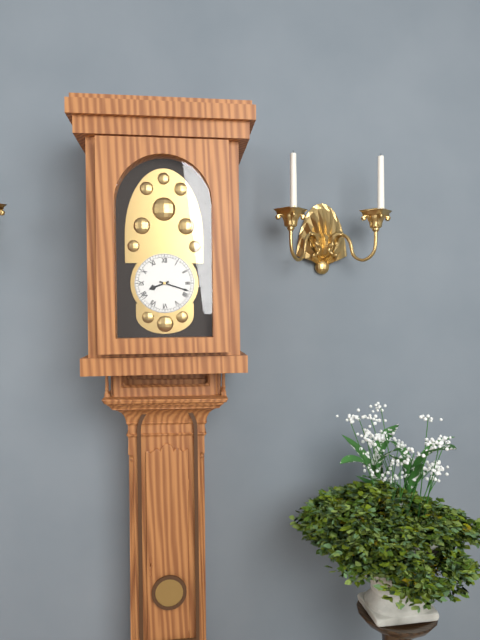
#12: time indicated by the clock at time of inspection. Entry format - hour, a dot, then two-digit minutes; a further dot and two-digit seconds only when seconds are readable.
8.18
